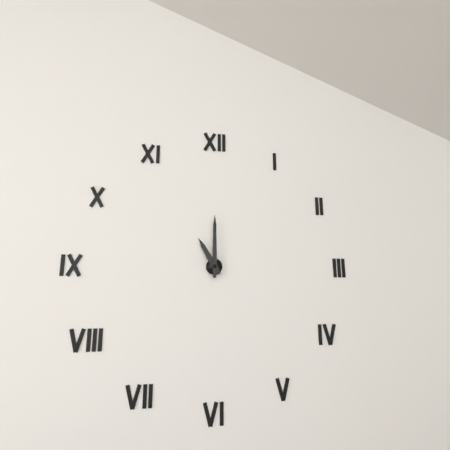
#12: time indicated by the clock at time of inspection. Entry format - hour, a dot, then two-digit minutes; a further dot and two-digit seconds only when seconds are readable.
11.00
